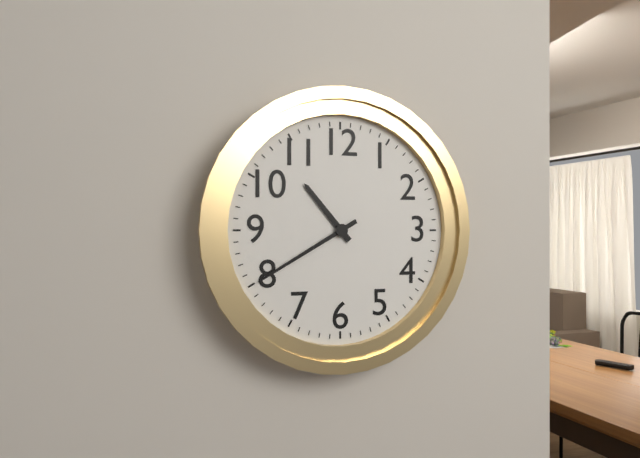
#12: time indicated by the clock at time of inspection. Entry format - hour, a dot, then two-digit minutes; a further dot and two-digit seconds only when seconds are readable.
10.40
